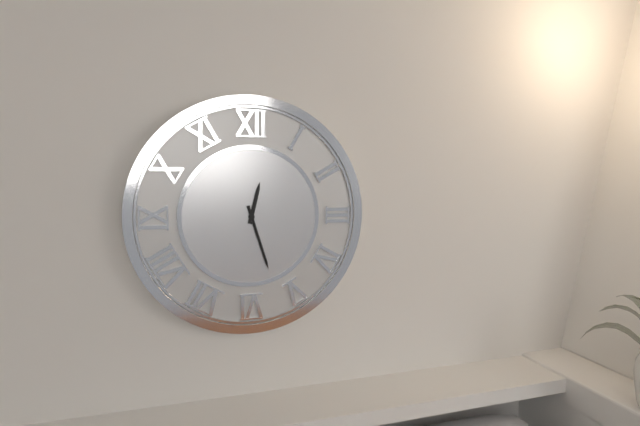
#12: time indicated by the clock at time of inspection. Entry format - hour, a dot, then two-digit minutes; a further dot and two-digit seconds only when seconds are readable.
12.27
